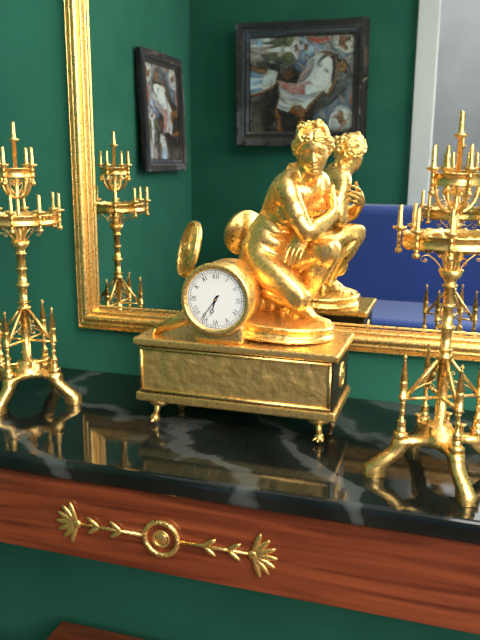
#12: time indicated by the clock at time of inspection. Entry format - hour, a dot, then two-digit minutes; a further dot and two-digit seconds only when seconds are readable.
6.36
